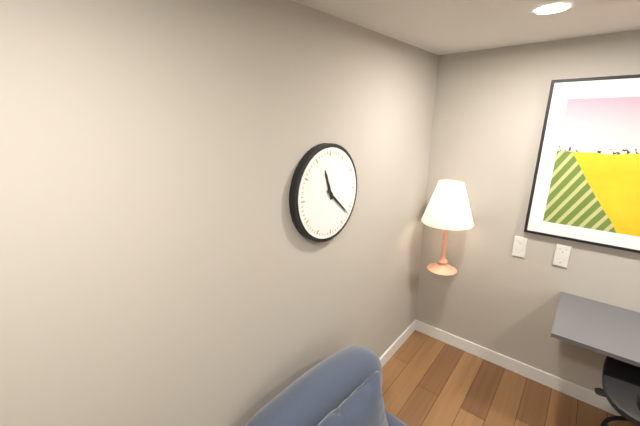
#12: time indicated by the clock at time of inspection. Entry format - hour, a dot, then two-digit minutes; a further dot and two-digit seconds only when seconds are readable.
11.22
